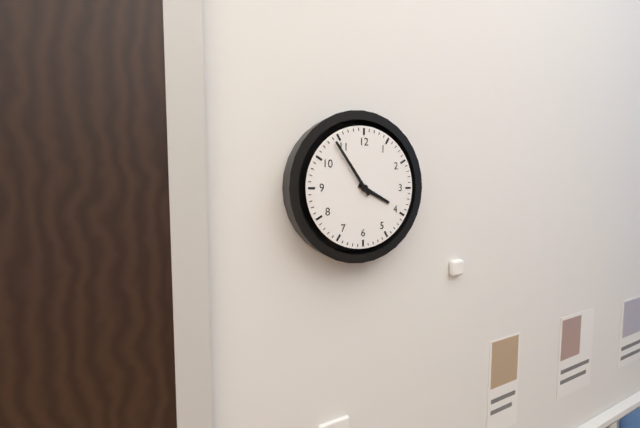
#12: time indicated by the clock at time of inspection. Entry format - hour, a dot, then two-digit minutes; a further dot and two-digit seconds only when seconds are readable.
3.54
